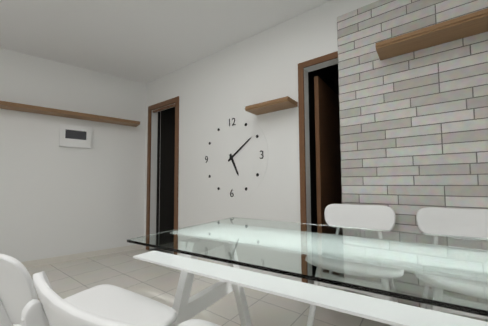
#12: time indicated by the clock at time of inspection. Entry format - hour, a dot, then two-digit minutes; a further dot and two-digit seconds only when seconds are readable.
5.09
